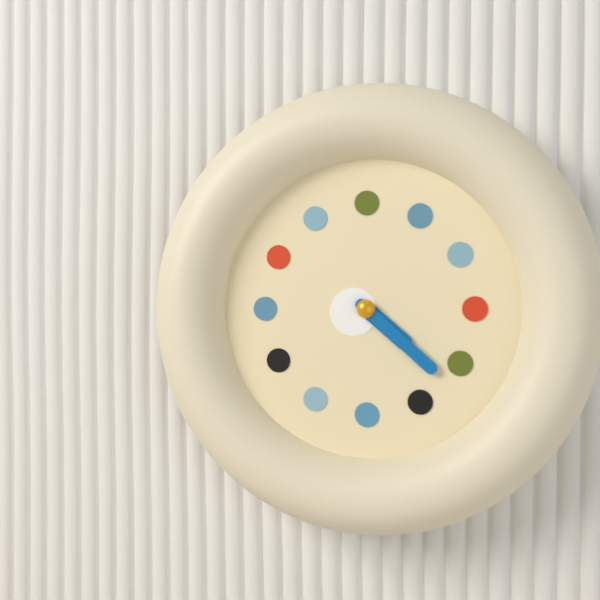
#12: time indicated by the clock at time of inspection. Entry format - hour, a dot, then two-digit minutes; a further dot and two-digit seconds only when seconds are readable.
4.22
